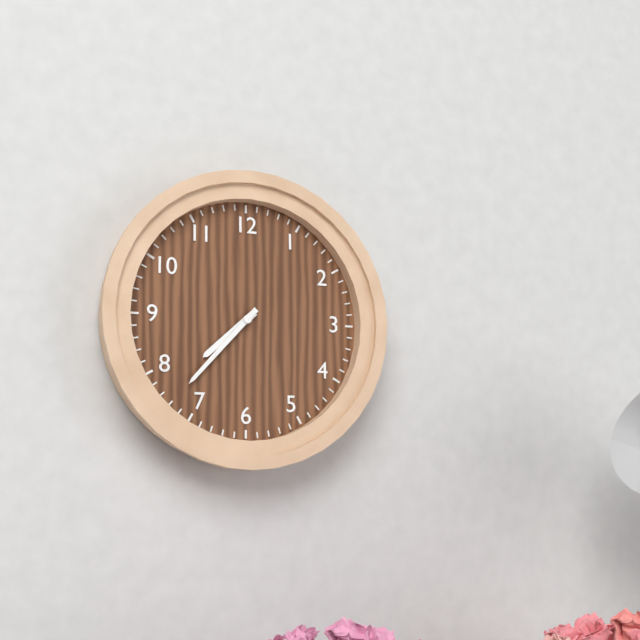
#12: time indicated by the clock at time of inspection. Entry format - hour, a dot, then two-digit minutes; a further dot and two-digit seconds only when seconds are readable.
7.37
